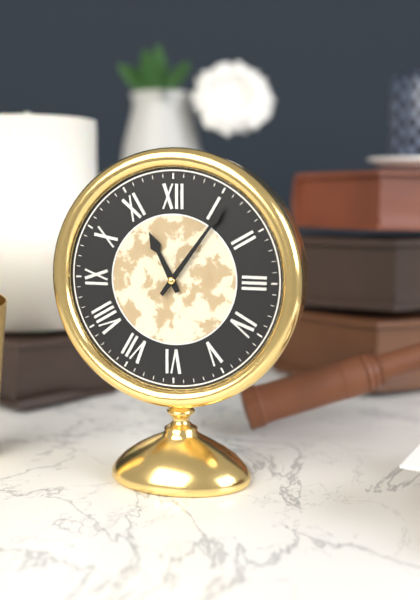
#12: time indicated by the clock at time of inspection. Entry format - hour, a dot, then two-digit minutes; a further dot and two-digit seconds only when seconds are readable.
11.06
